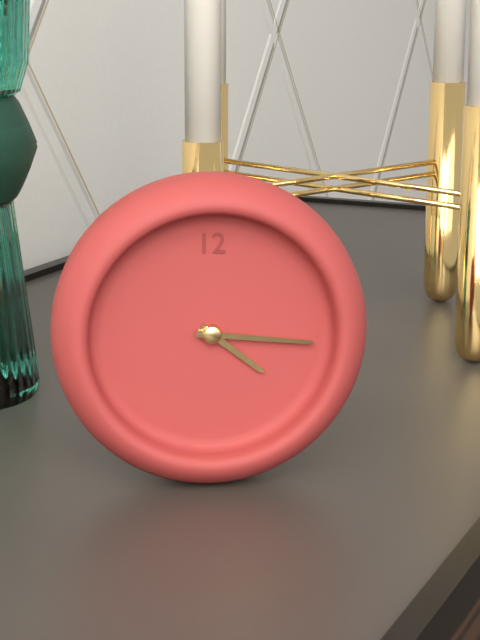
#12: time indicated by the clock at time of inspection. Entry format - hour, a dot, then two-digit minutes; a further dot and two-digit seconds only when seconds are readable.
4.16
